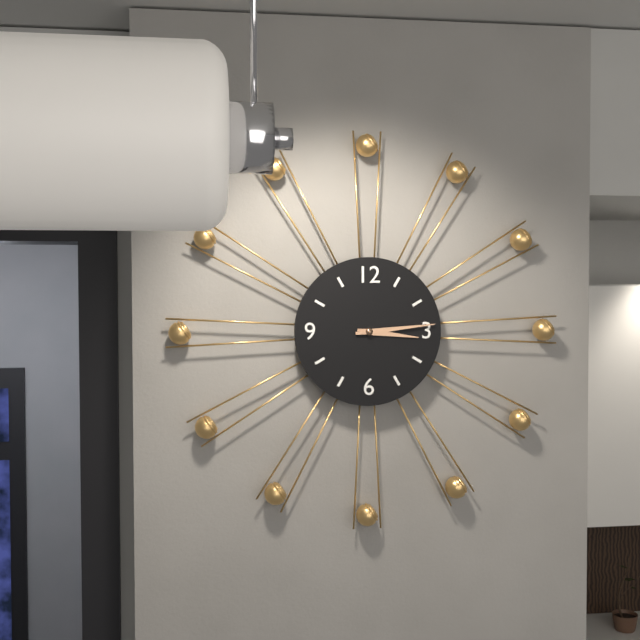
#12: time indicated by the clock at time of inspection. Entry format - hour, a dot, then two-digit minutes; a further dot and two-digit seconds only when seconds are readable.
3.14
